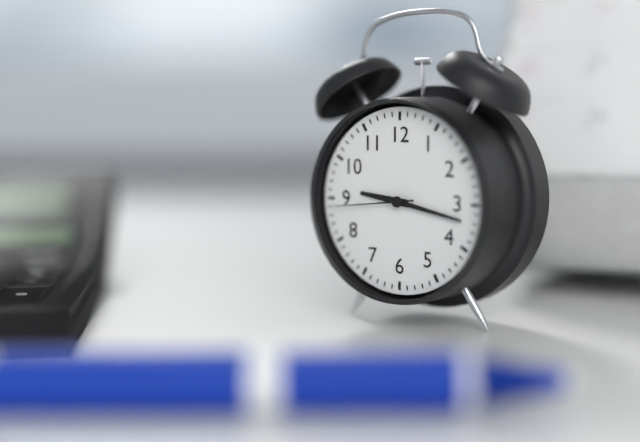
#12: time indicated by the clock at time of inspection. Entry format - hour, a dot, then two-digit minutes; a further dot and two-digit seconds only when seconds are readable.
9.17.44
